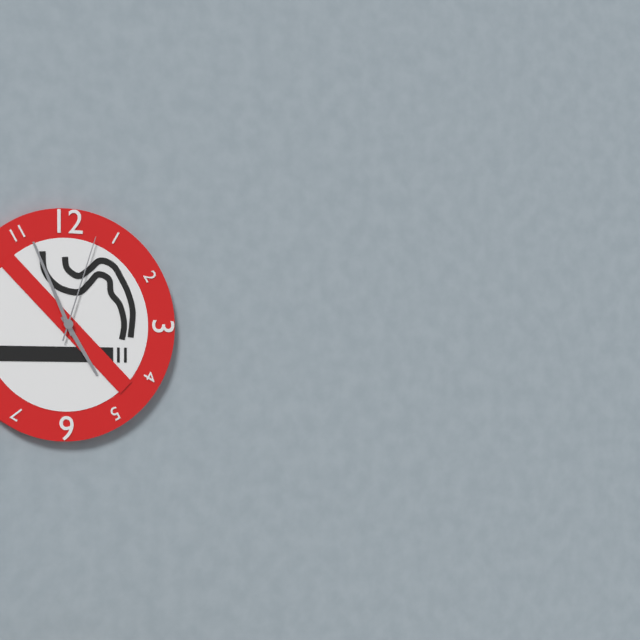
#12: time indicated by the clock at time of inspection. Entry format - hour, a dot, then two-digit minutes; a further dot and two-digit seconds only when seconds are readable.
4.56.03
